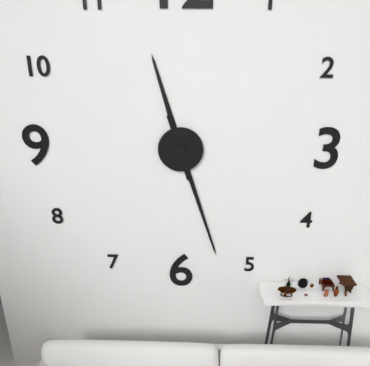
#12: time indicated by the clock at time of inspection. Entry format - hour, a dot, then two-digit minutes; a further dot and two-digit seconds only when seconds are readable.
11.27
